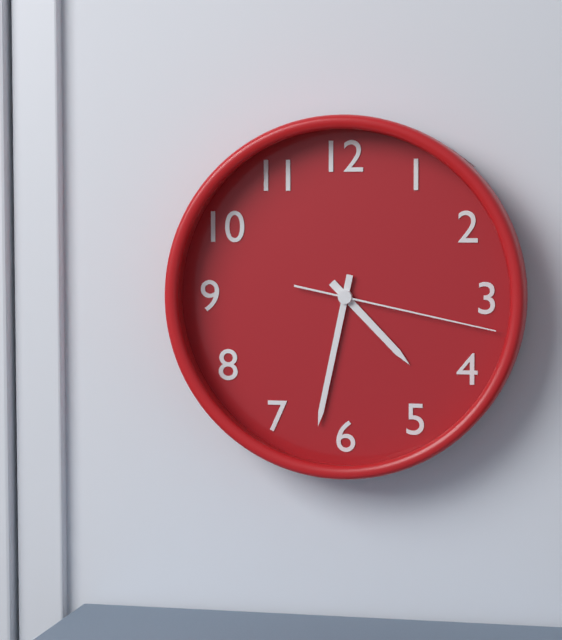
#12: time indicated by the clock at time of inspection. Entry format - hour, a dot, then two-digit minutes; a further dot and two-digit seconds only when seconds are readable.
4.32.17
